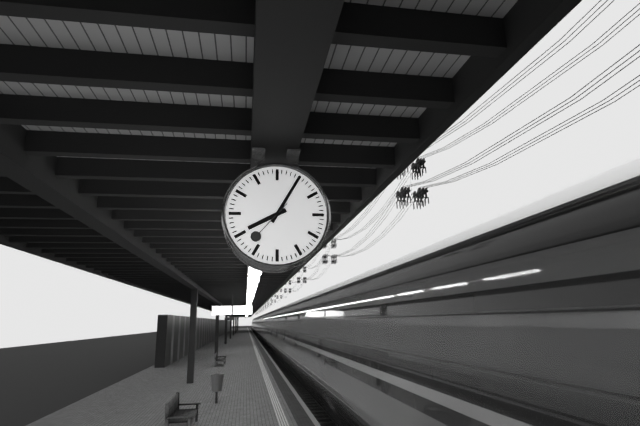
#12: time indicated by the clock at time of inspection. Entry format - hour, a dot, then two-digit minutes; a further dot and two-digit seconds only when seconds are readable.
8.05
